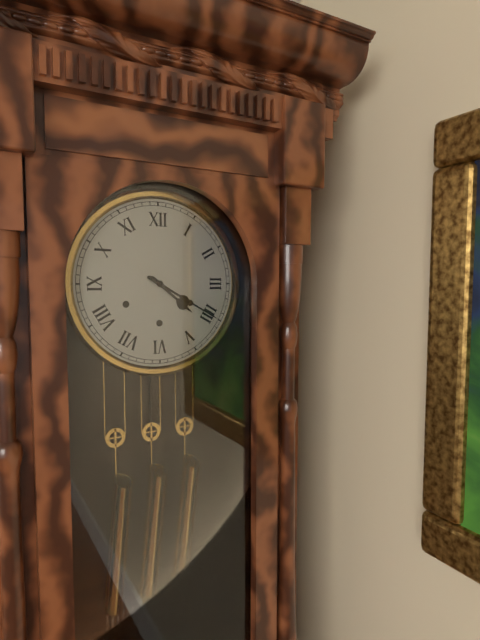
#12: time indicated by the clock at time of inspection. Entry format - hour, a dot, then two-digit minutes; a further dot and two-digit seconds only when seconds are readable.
4.20
